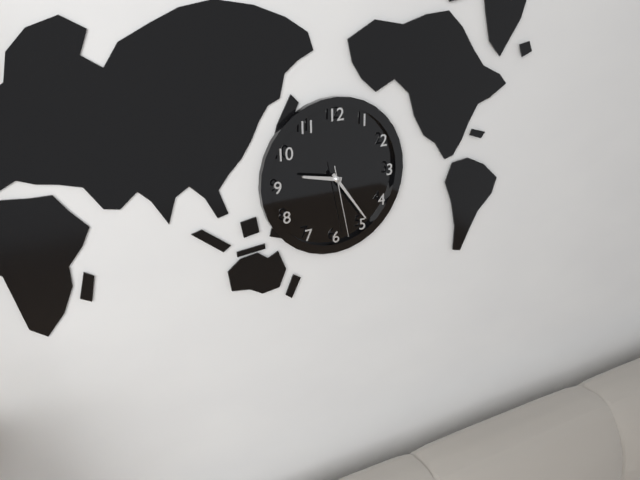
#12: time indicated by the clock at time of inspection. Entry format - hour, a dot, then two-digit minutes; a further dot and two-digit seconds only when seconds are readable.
9.24.28
